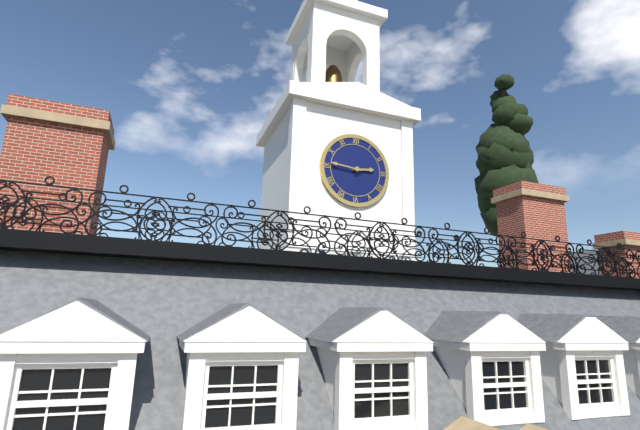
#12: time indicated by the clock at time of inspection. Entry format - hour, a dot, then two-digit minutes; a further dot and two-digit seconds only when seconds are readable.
2.46
